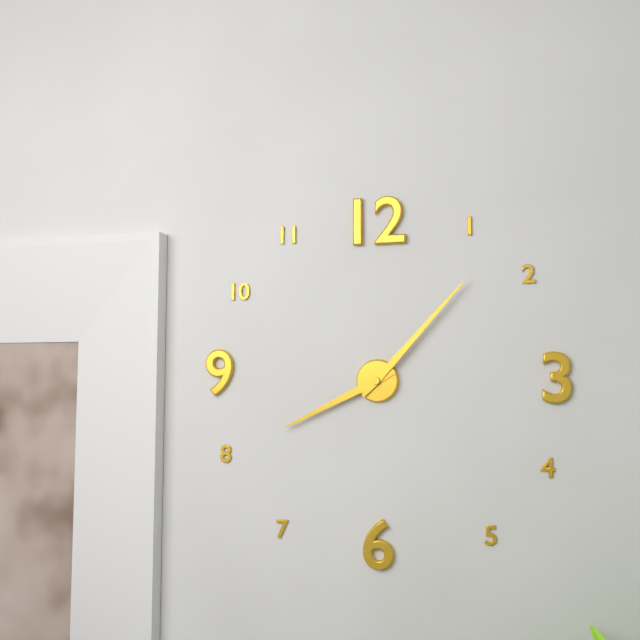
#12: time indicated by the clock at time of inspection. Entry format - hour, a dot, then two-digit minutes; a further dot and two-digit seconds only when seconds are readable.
8.07
